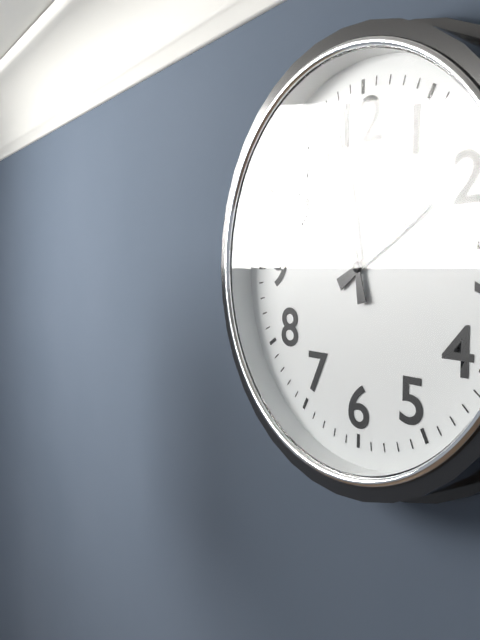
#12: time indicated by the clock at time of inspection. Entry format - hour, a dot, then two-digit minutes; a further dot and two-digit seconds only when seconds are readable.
1.58
